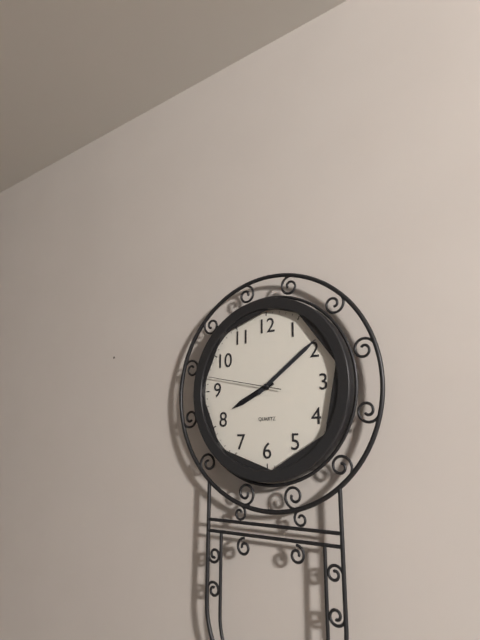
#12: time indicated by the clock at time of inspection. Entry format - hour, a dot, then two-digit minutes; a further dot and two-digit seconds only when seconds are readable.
8.09.47
